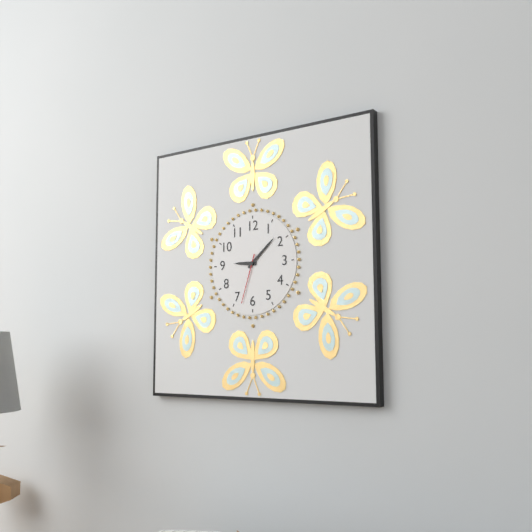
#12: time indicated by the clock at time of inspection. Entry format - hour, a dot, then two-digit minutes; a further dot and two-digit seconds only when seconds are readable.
9.08.33
